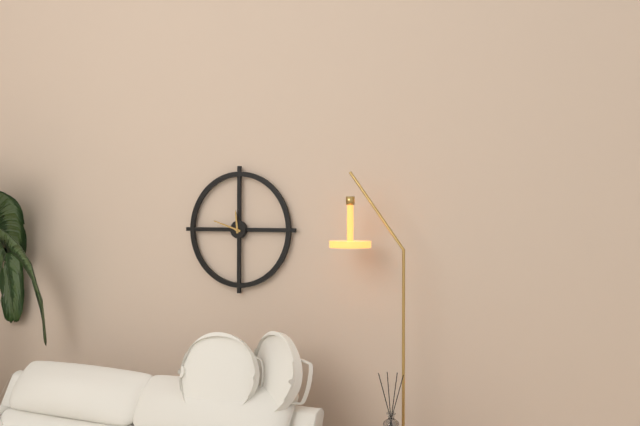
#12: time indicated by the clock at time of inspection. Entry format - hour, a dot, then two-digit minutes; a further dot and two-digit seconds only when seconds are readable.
11.48
